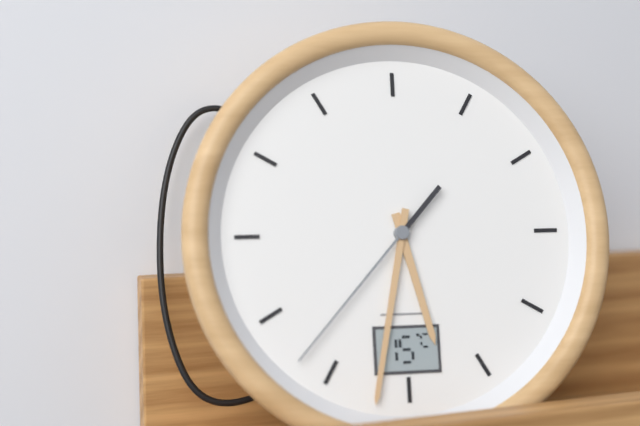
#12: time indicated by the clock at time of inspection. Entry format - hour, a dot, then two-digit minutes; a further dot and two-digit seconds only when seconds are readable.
5.32.37
